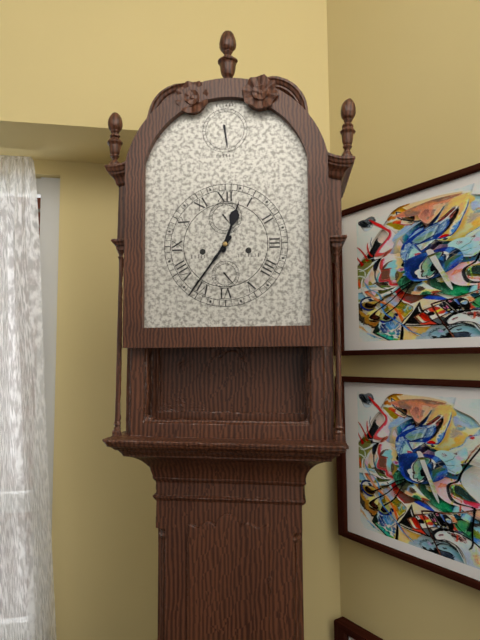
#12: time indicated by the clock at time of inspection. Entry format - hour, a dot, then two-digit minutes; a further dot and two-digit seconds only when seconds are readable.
12.36
